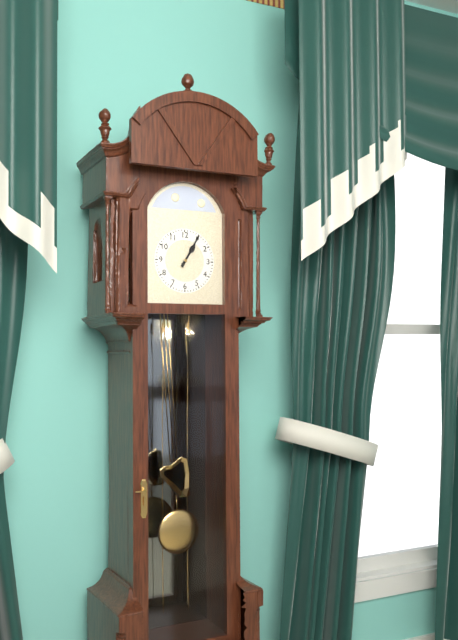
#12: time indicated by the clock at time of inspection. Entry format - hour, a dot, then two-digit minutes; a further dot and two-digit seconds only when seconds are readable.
1.05
